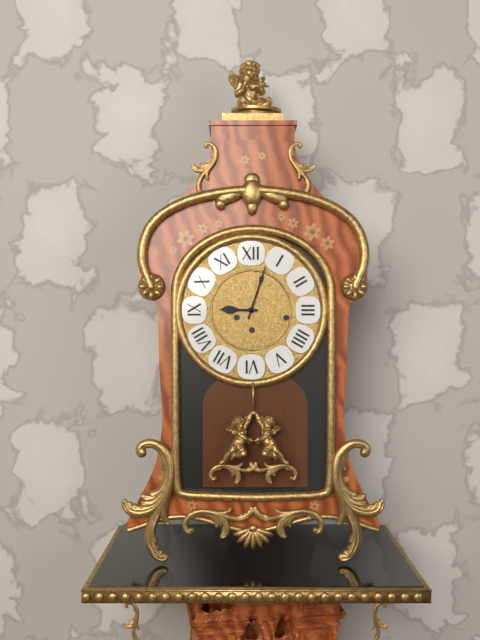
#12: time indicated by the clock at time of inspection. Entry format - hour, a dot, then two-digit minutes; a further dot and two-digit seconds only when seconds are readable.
9.03
